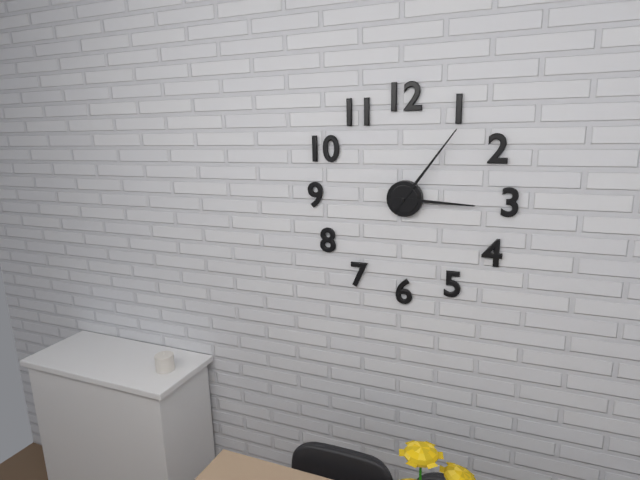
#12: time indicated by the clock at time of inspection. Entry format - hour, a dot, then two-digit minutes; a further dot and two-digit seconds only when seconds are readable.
3.06
